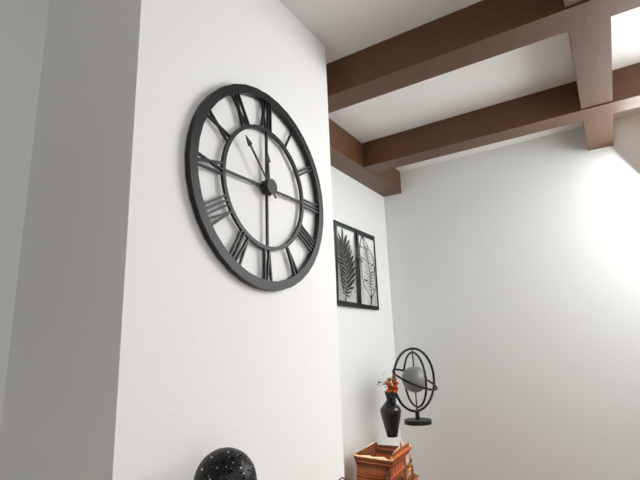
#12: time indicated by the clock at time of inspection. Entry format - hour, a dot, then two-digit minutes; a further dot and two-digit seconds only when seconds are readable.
11.53
